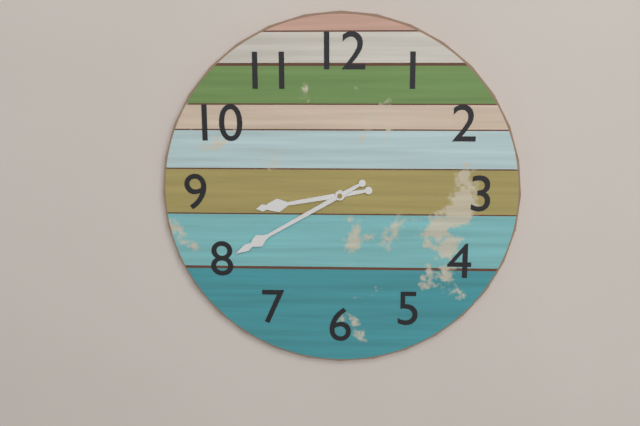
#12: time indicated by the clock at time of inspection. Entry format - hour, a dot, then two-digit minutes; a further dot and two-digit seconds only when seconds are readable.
8.40
